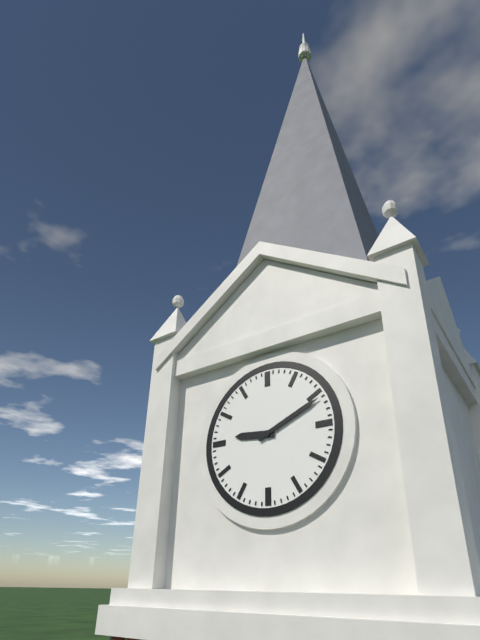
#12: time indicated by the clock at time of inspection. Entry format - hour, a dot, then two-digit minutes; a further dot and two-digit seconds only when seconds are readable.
9.11
